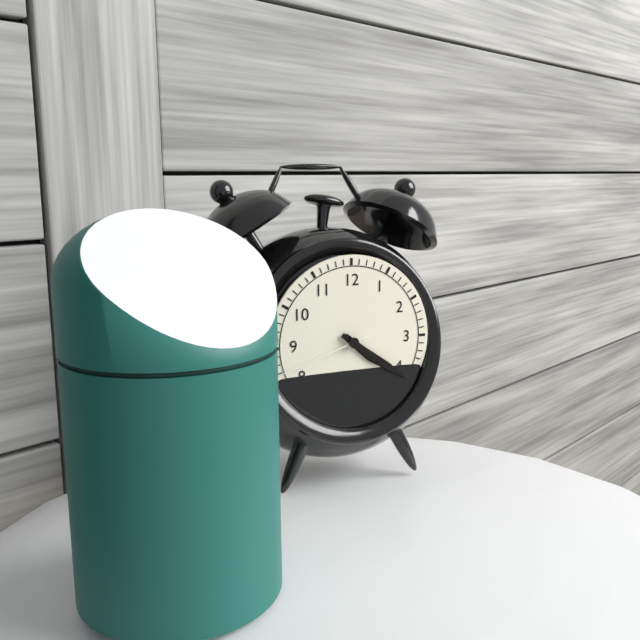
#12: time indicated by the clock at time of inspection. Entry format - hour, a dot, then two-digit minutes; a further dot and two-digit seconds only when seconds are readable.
4.21.42
